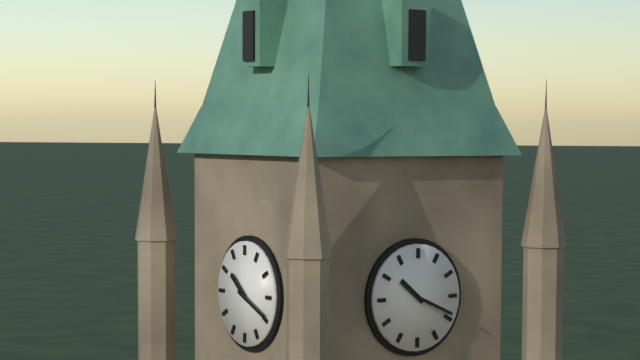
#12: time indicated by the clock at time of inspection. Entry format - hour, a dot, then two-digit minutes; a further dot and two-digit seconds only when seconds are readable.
10.19
